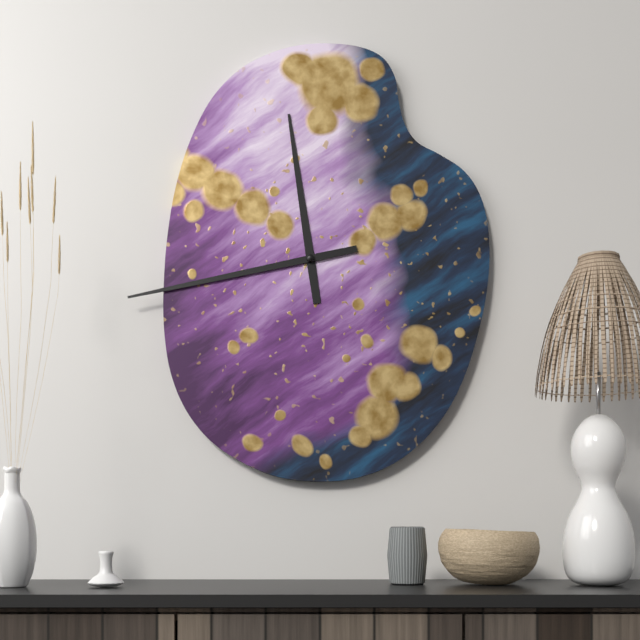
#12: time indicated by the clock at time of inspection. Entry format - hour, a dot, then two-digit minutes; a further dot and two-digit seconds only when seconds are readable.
11.43
